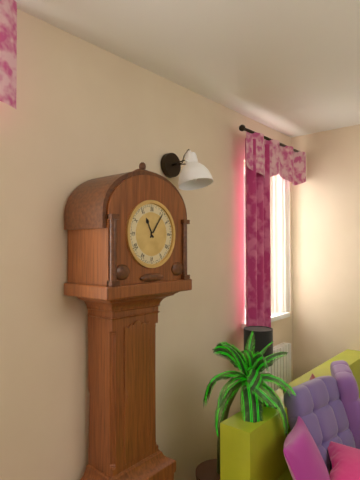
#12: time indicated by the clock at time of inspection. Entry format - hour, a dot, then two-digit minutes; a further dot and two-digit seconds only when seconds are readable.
11.06
